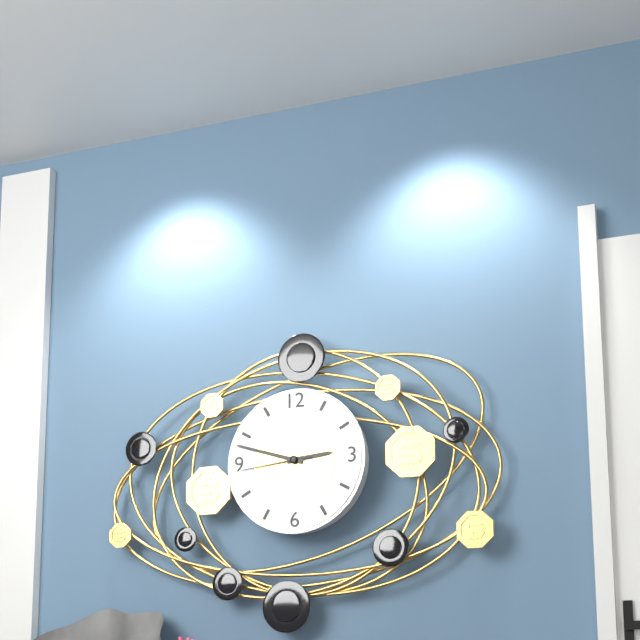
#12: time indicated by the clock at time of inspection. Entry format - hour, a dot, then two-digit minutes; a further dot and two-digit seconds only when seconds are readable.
2.48.44
